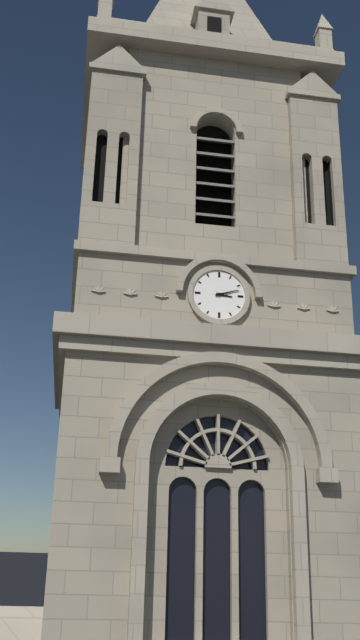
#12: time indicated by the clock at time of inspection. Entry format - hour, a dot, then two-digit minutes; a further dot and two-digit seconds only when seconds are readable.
3.12
